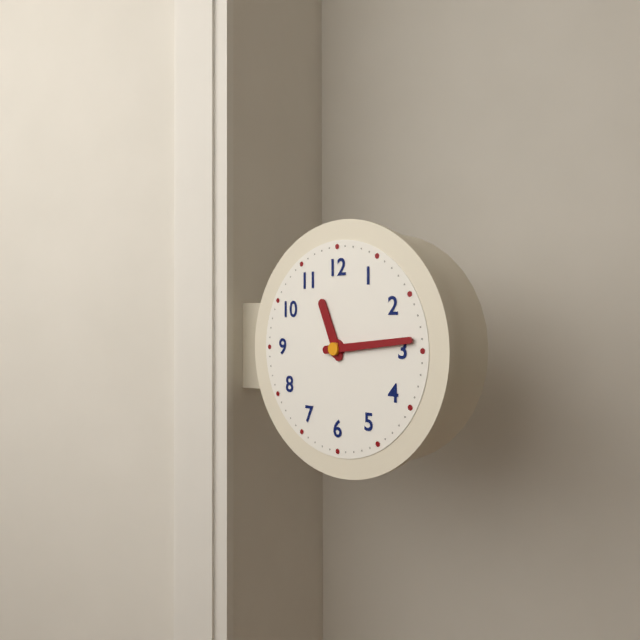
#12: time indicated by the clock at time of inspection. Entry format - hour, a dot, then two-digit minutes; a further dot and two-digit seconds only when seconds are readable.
11.14
